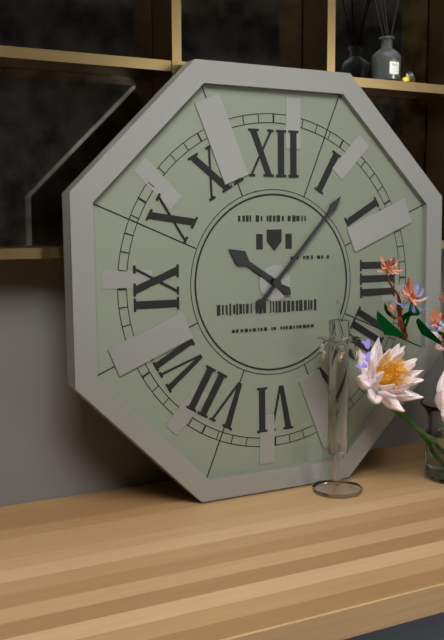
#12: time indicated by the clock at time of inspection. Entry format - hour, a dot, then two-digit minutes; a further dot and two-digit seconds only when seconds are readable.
10.07
